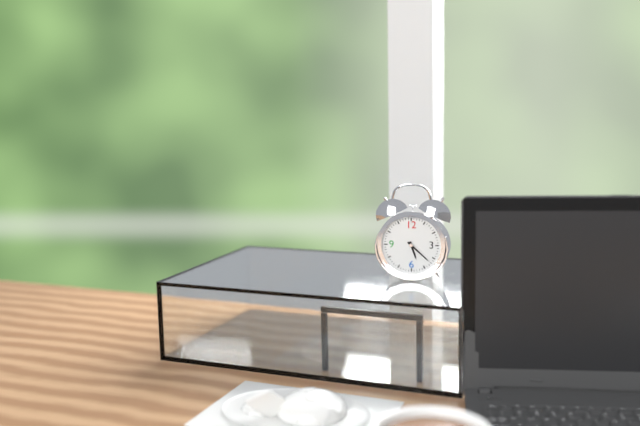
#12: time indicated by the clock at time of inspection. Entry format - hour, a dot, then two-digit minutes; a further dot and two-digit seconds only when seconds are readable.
5.22
